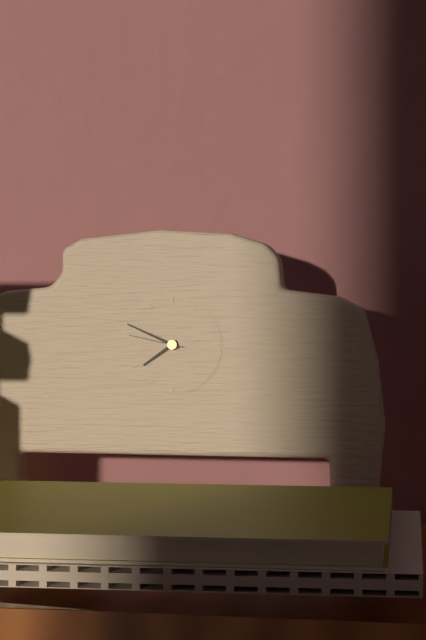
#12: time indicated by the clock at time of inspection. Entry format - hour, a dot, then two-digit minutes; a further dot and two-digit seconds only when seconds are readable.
7.49.47
